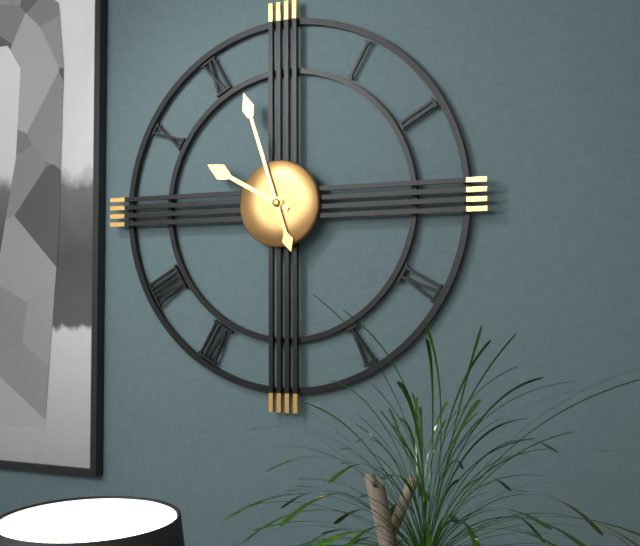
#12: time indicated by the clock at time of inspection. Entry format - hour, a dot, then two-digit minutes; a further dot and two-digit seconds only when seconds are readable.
9.57
